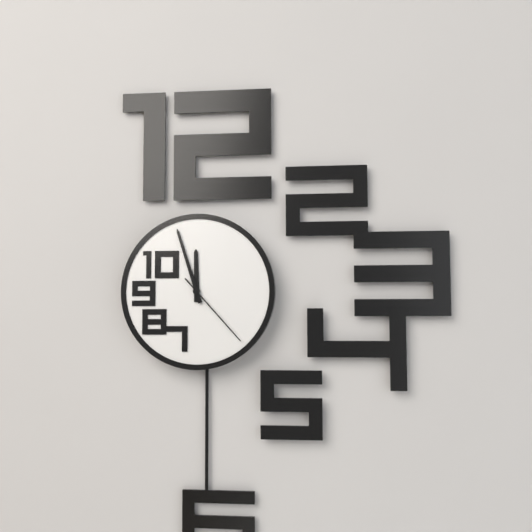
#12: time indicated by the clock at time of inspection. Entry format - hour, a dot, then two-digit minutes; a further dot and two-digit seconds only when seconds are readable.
11.57.23
